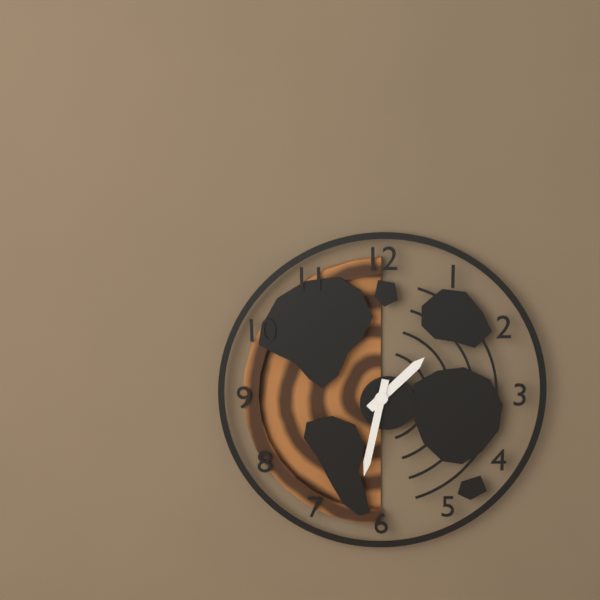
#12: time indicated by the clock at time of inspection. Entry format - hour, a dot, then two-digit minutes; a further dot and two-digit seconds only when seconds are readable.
1.32
